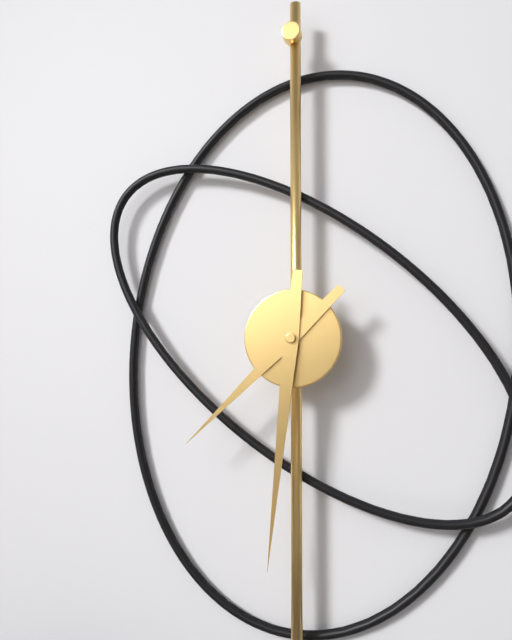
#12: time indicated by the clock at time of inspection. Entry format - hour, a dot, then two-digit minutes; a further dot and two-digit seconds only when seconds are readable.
7.31
